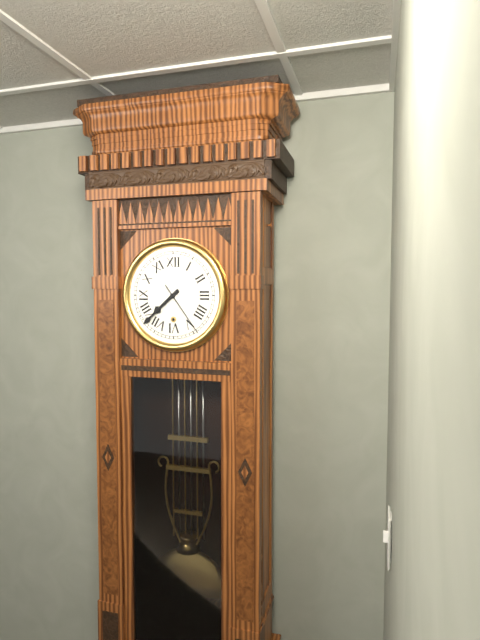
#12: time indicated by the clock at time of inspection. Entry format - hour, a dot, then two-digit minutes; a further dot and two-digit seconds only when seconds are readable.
7.38
